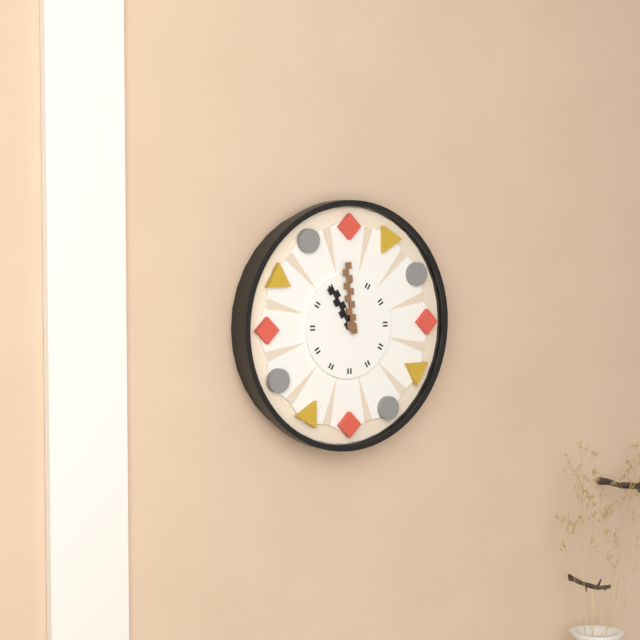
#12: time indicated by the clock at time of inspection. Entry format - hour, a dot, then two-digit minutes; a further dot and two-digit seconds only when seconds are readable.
10.59
